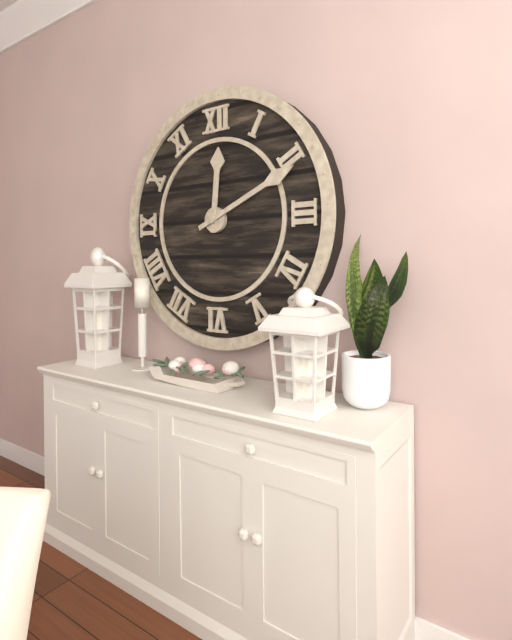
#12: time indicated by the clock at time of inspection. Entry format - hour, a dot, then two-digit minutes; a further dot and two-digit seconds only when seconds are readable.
12.11
